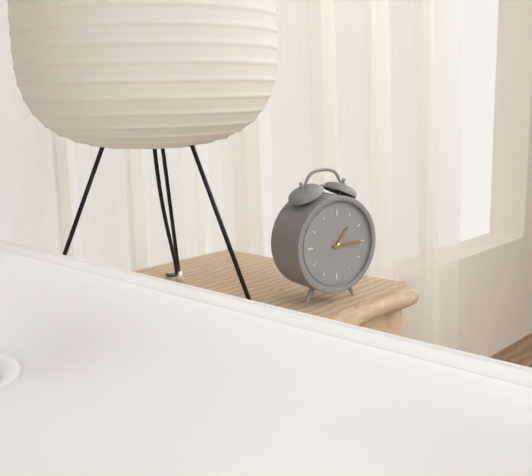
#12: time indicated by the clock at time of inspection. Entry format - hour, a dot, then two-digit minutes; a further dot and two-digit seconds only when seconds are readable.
1.15
